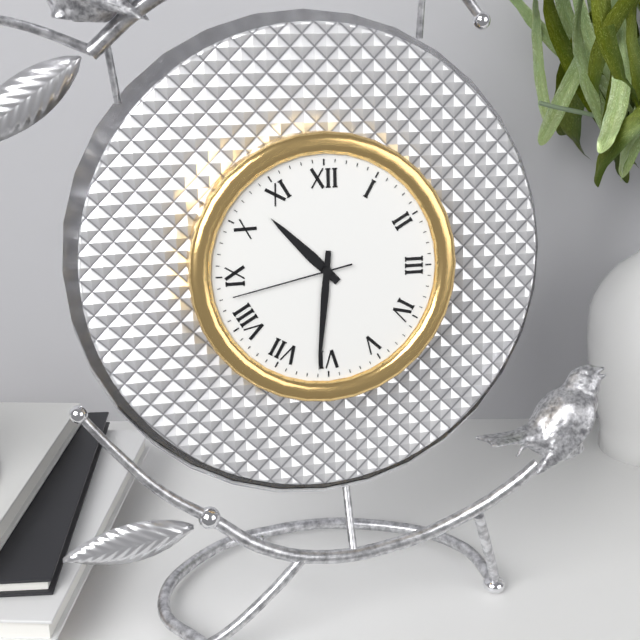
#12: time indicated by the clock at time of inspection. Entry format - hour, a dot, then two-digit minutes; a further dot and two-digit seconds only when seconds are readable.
10.31.43
